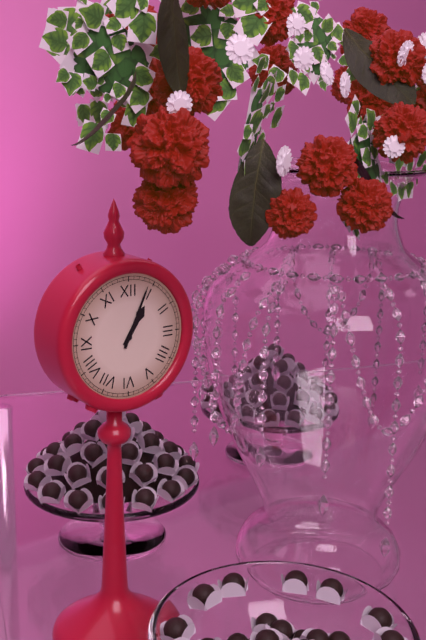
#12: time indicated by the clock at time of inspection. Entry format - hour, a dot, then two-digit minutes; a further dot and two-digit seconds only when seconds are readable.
1.04
